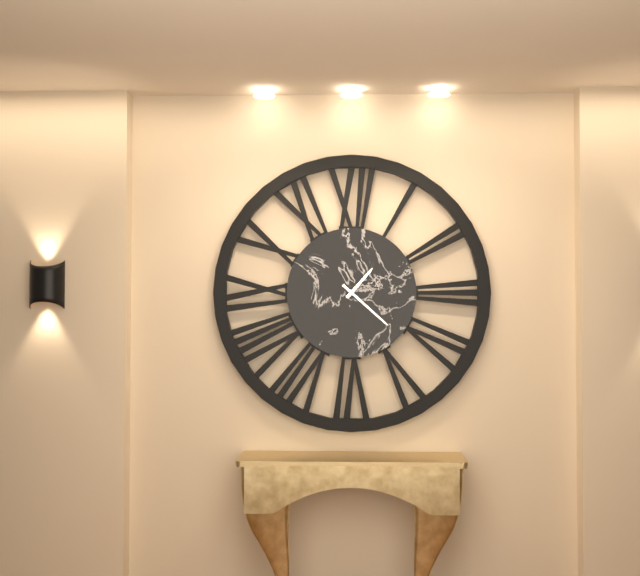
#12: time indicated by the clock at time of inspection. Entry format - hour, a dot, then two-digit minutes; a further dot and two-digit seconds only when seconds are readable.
1.22
